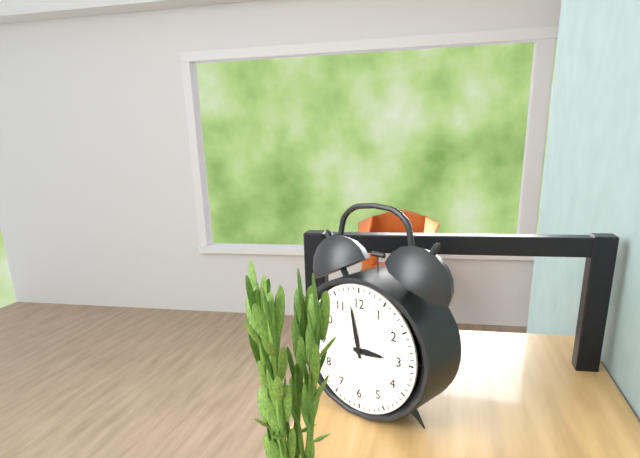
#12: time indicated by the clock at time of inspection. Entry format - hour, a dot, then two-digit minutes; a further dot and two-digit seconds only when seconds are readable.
2.58
